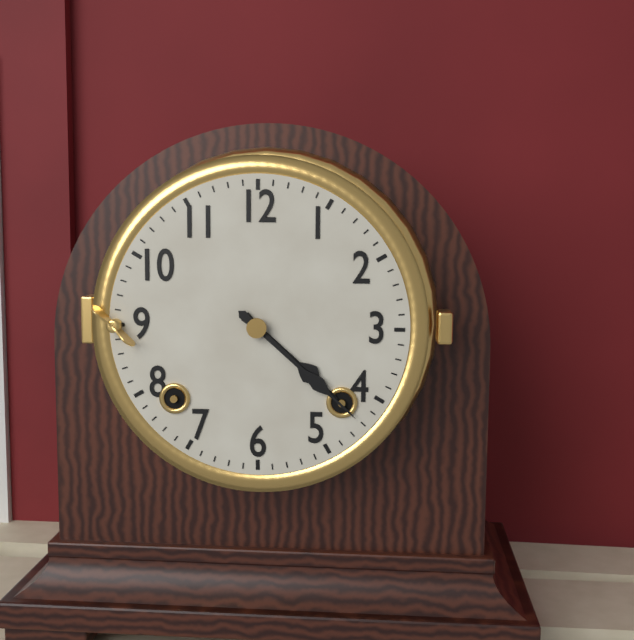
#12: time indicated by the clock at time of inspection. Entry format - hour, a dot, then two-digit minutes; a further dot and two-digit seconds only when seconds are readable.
4.22
